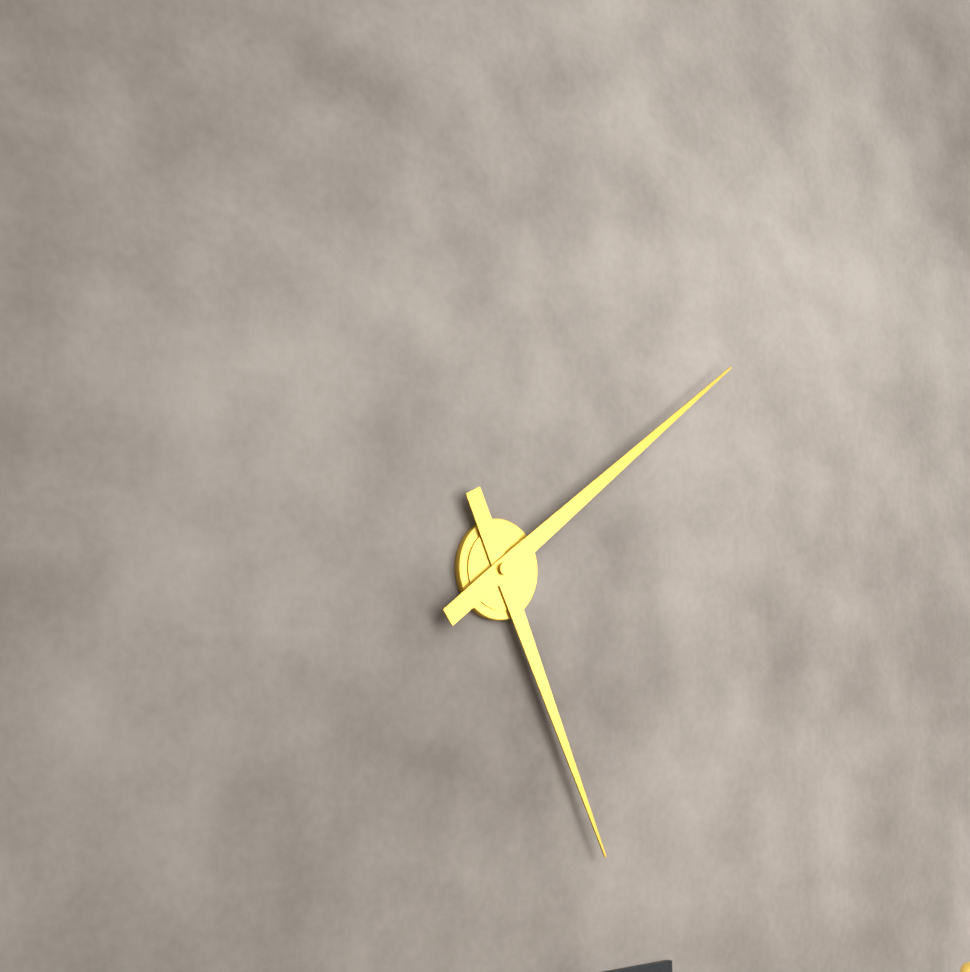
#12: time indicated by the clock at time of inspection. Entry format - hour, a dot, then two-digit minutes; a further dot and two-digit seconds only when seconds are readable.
5.09
